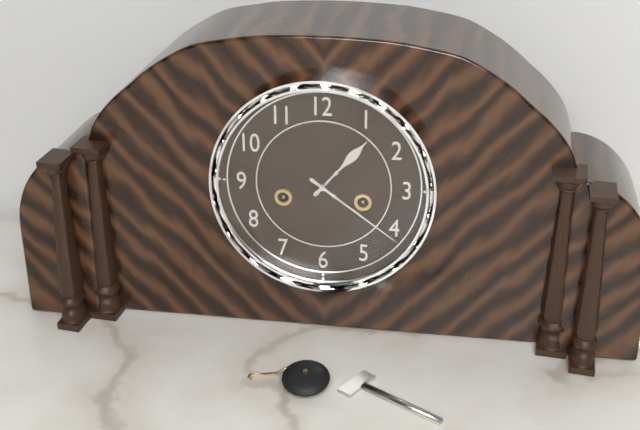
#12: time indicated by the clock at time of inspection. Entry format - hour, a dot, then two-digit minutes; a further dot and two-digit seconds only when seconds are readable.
1.21
